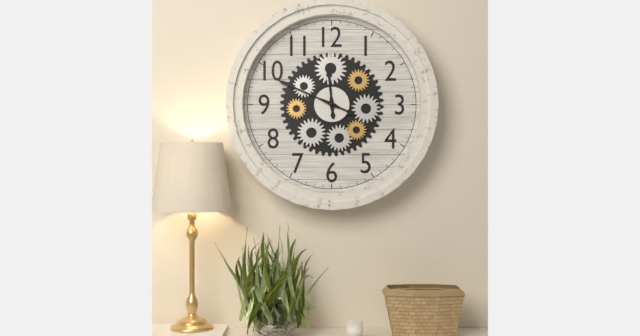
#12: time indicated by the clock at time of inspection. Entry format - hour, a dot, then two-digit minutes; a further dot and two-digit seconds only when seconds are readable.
11.49
